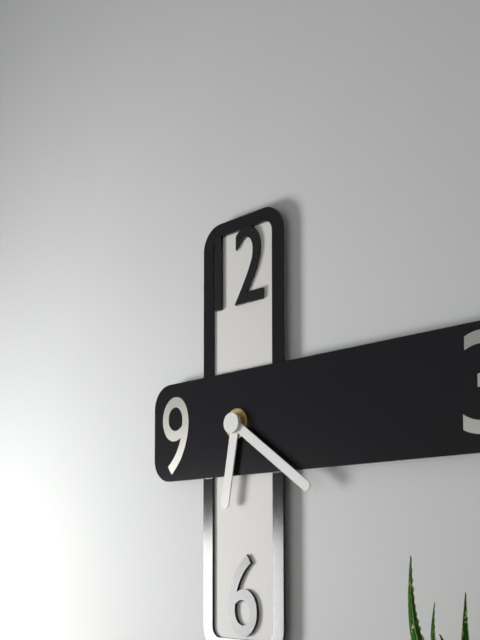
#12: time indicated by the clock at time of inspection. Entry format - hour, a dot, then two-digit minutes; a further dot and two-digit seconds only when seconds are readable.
6.21
